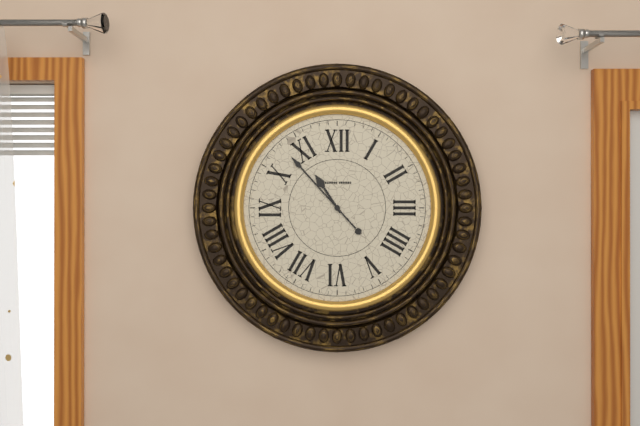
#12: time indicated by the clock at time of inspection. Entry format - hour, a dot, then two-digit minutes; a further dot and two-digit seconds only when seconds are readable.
10.53
